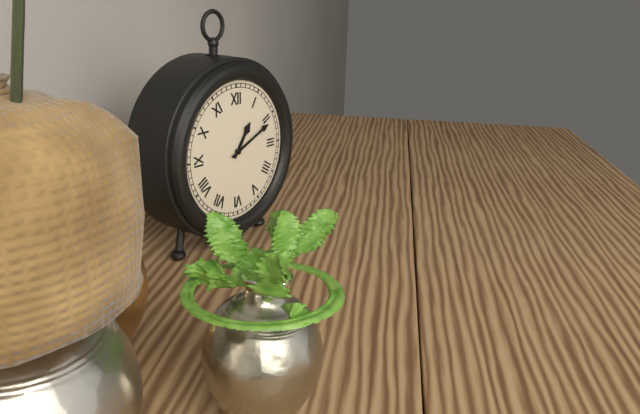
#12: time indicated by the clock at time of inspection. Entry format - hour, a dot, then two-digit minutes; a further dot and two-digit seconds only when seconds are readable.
1.11
